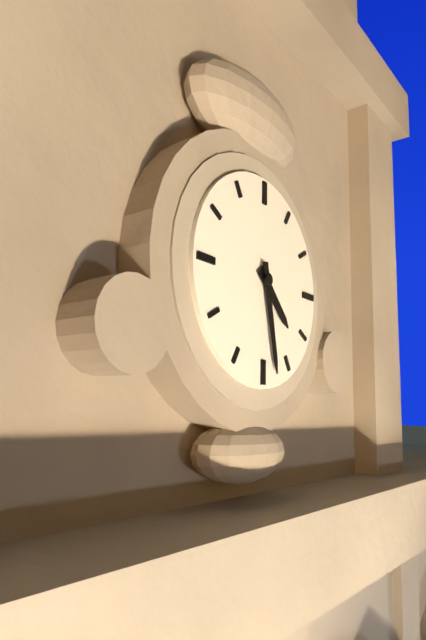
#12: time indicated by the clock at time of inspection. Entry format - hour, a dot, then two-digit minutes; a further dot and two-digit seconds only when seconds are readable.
4.28
